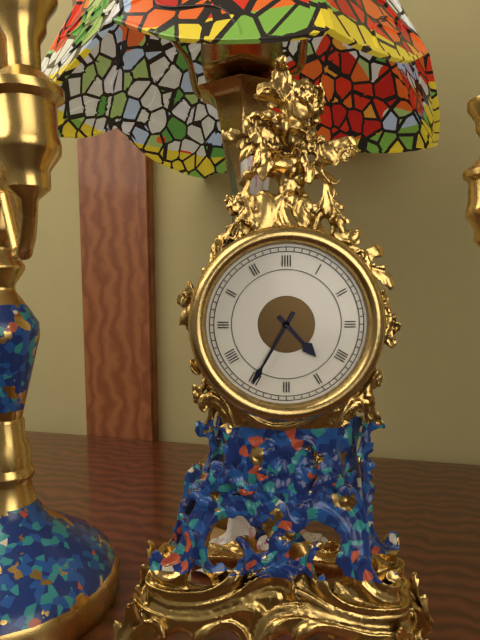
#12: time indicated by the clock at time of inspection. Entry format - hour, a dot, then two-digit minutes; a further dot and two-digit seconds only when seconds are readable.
4.35
